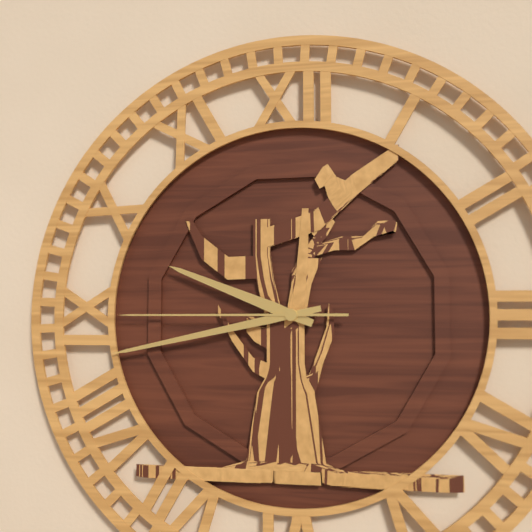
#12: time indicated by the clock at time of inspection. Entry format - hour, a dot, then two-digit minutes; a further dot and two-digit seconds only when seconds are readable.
9.43.45
